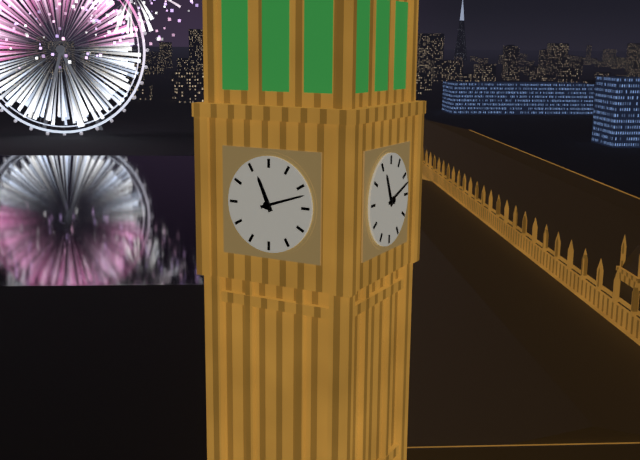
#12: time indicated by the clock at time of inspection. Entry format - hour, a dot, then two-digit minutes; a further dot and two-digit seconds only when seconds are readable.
11.12
